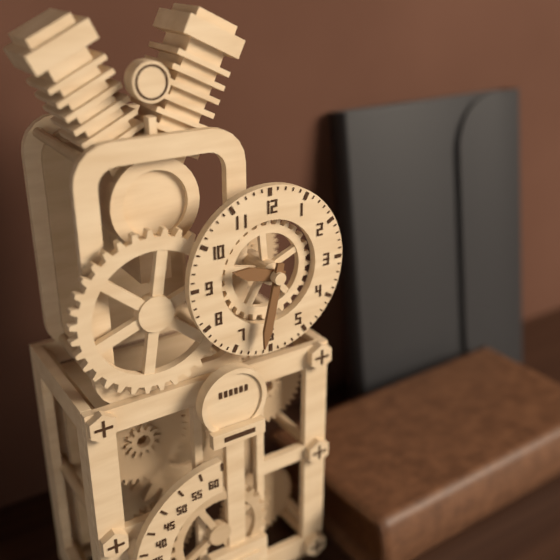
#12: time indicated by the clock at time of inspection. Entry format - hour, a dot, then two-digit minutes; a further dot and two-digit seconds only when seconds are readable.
9.32
